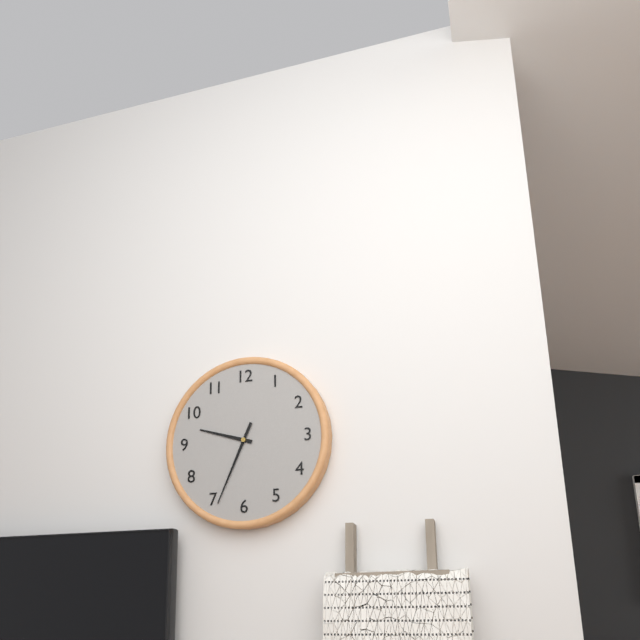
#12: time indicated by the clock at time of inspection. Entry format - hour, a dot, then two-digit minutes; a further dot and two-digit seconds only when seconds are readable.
9.34
